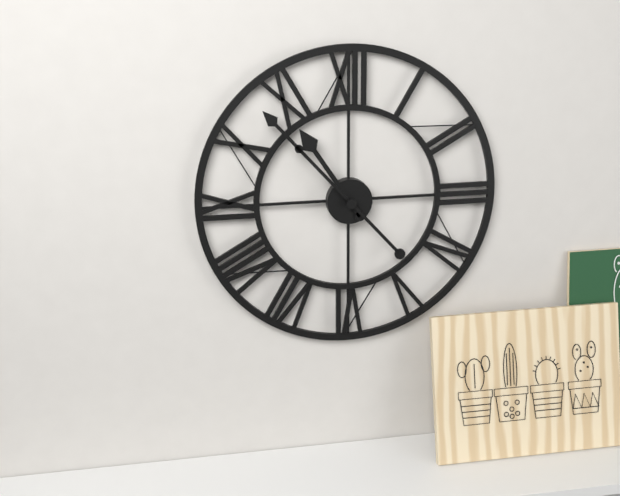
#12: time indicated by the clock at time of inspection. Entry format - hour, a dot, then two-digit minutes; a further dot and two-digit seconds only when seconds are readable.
10.53
